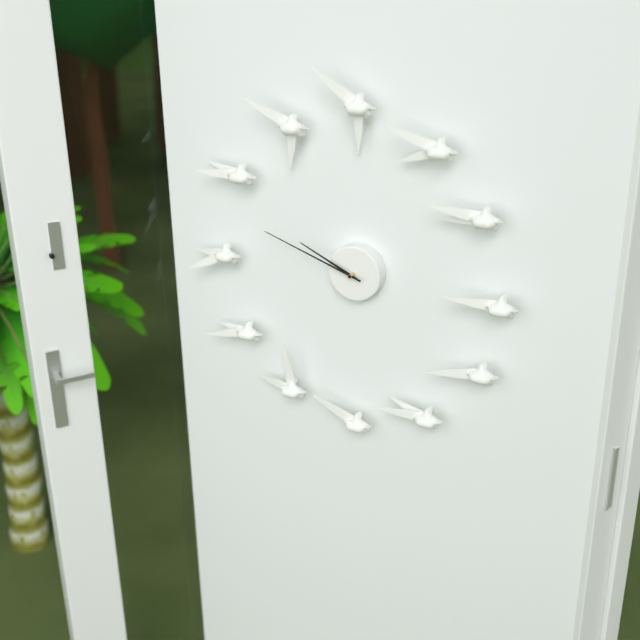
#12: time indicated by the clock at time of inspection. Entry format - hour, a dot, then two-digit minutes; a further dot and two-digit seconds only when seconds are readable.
9.48
